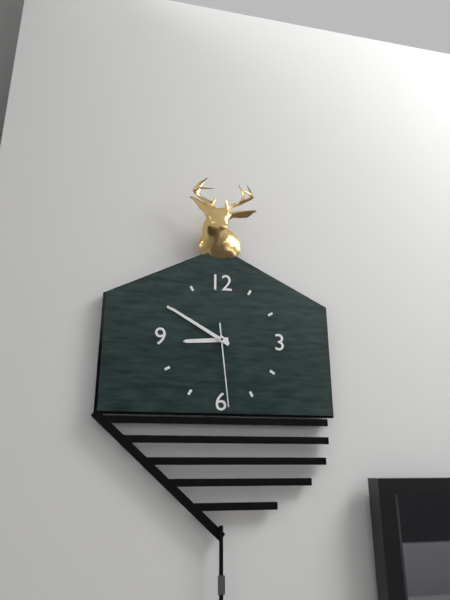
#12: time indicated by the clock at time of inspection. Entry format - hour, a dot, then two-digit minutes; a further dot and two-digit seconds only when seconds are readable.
8.50.29
